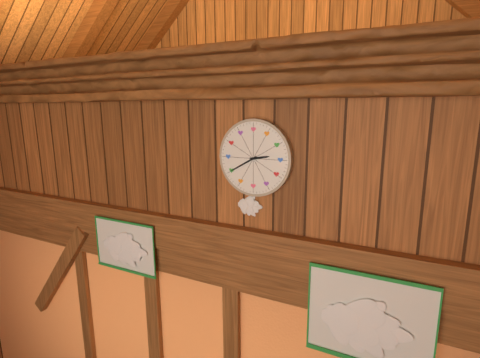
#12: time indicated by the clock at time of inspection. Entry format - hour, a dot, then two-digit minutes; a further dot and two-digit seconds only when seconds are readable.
2.40
